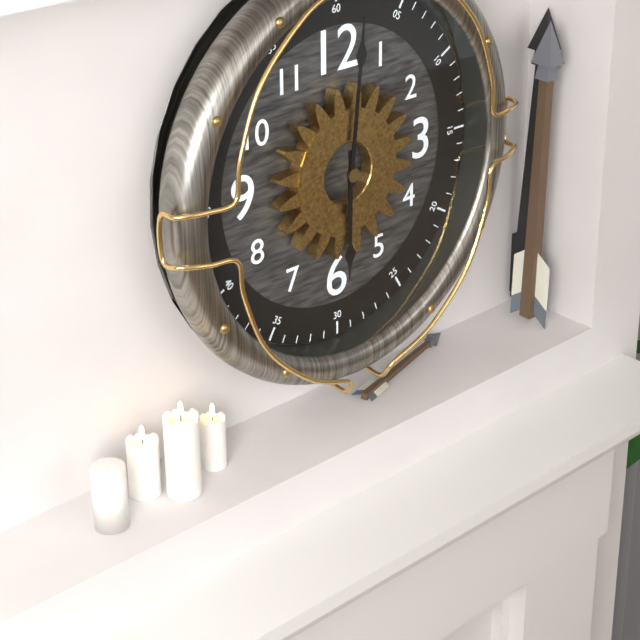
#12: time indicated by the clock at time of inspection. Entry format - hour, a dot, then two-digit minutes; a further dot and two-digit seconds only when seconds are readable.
6.01
